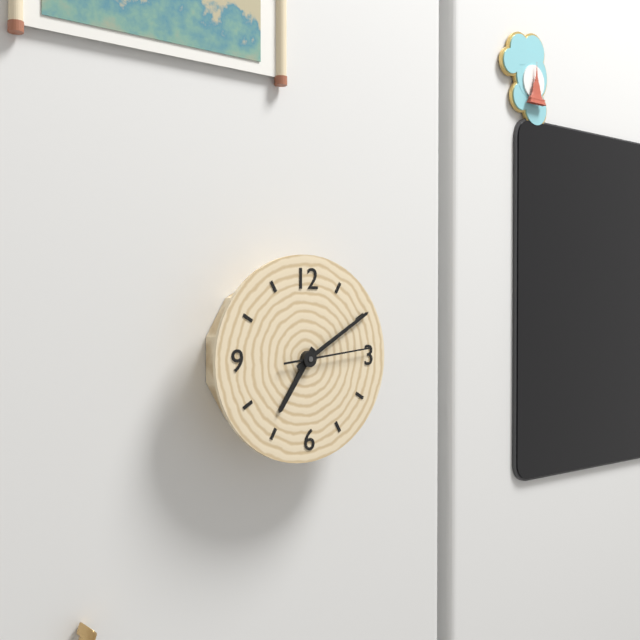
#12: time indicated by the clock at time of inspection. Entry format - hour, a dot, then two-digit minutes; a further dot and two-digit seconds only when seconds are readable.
7.10.14
